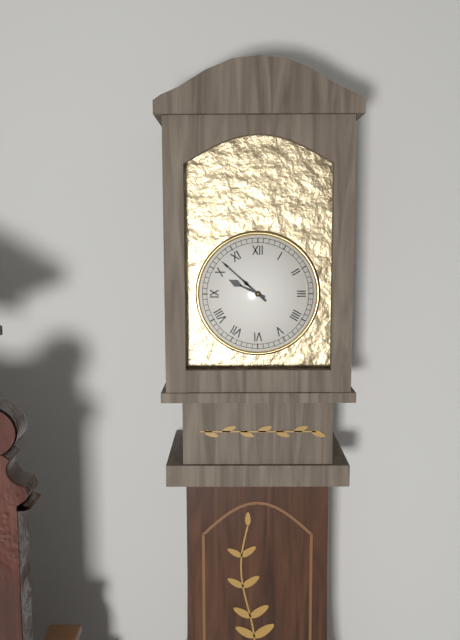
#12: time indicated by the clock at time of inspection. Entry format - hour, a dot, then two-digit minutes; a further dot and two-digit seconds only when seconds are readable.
9.52
